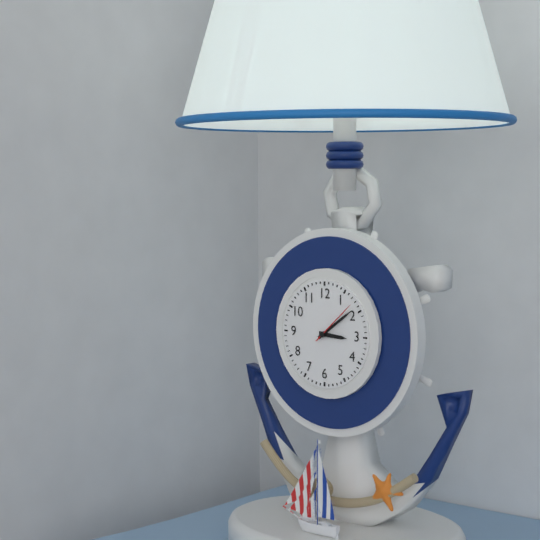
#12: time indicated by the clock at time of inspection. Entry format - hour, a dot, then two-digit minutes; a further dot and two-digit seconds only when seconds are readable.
3.09.08
